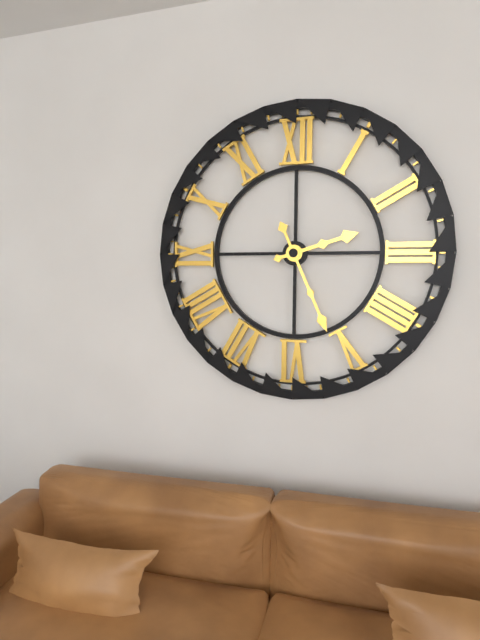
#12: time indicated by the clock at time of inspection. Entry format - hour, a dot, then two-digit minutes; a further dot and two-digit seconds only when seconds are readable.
2.26
